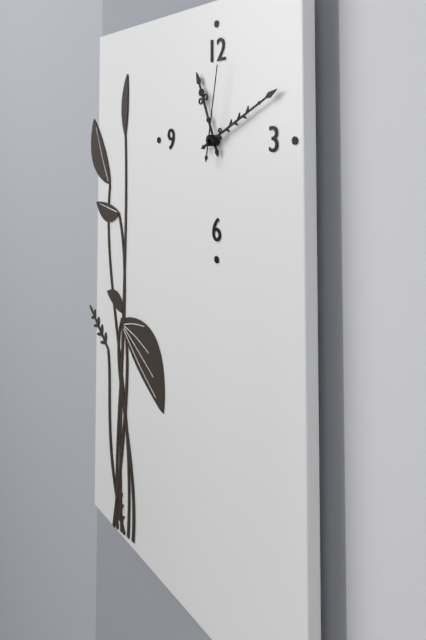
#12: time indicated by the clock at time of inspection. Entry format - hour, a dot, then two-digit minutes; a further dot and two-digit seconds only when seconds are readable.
11.11.02
